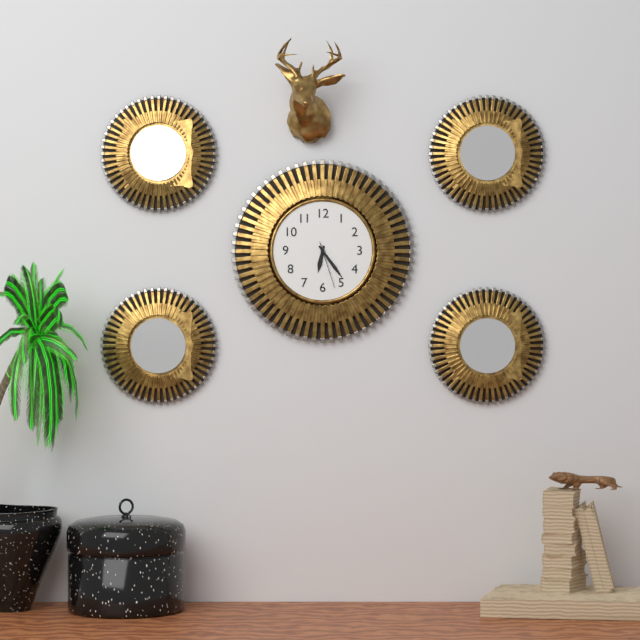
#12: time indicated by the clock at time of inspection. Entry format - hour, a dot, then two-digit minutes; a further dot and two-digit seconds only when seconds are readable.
6.24
